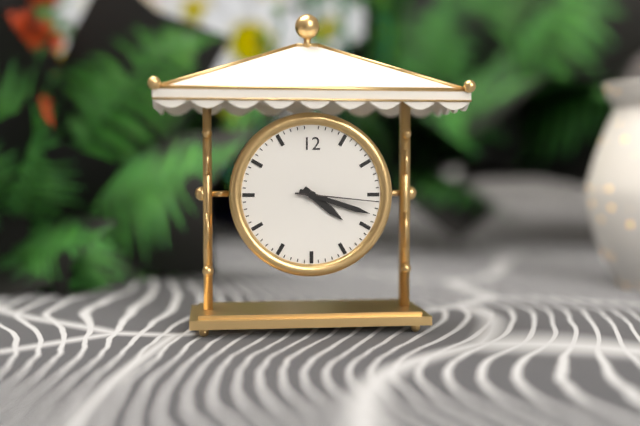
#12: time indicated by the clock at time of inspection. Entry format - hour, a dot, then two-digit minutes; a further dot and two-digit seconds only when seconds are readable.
4.18.16
